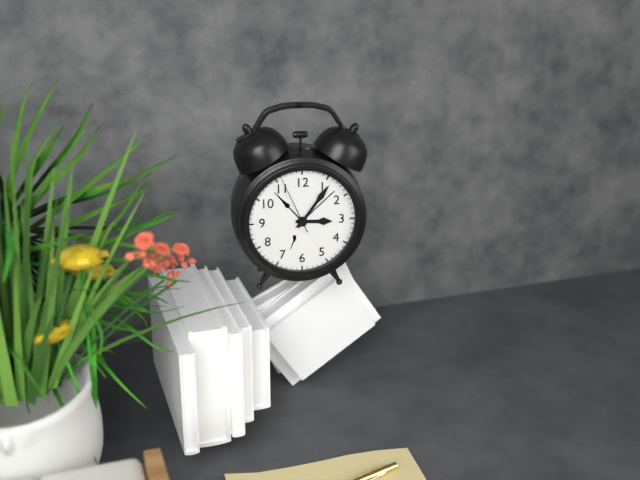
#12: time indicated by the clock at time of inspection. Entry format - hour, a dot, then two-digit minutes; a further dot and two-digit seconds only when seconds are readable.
3.06.56
